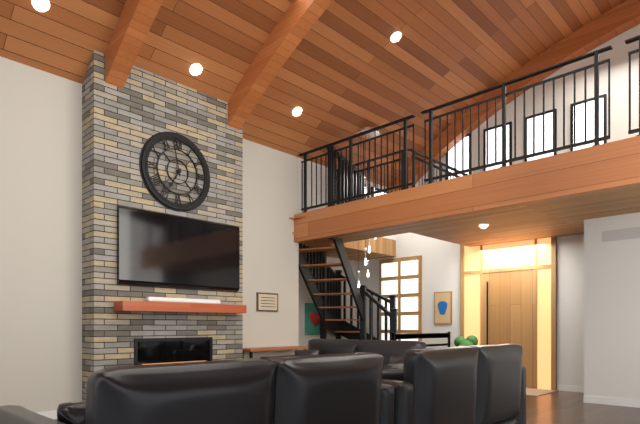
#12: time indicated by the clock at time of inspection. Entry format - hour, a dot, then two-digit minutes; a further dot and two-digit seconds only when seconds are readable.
6.58
